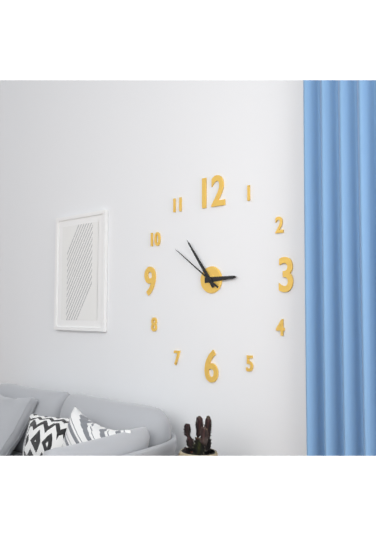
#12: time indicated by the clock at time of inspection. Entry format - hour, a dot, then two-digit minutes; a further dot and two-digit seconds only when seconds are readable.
2.54.51
